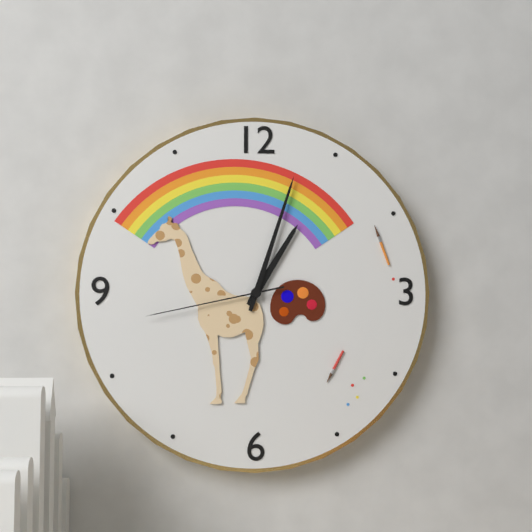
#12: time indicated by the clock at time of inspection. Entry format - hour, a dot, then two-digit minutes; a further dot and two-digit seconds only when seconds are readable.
1.03.43
